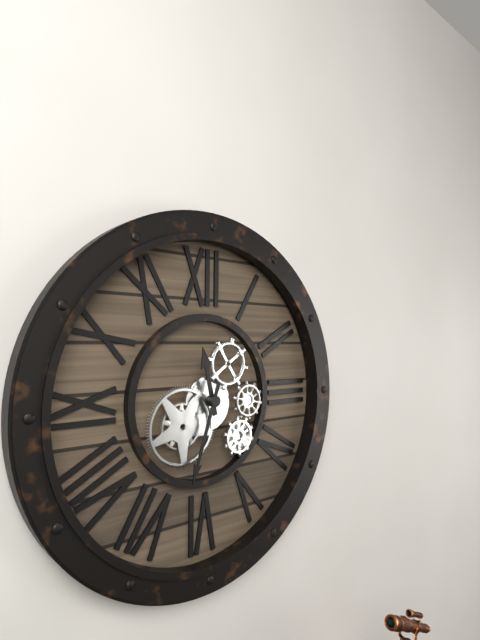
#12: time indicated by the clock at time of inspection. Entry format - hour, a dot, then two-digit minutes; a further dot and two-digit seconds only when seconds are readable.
11.33
